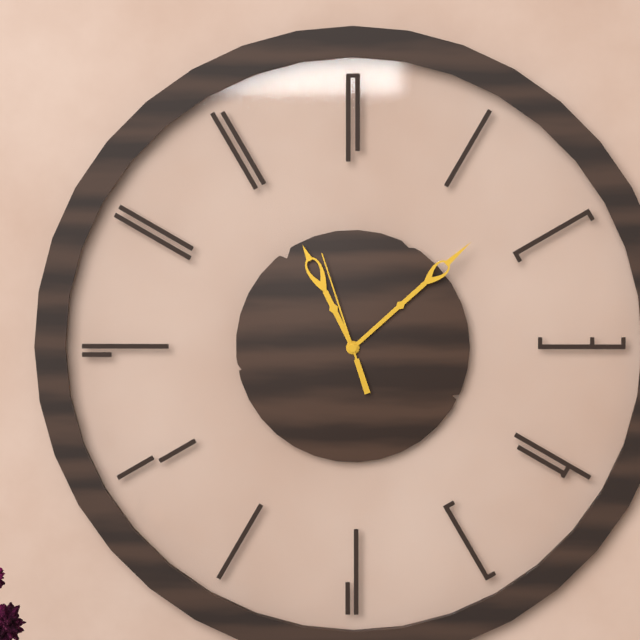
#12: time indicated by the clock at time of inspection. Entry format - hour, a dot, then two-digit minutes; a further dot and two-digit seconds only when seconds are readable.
11.08.57
